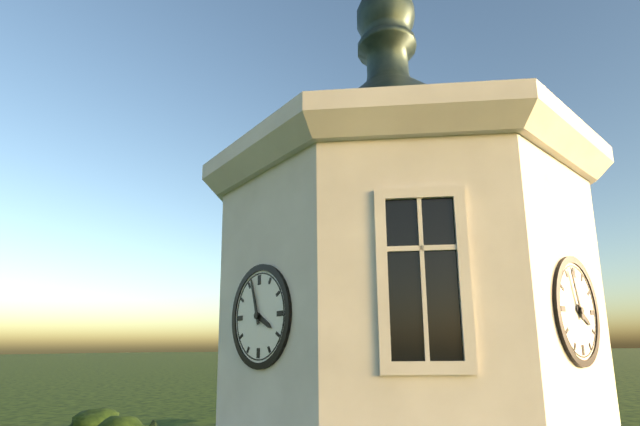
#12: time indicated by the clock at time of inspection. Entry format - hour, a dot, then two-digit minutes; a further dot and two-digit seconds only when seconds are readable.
3.57
